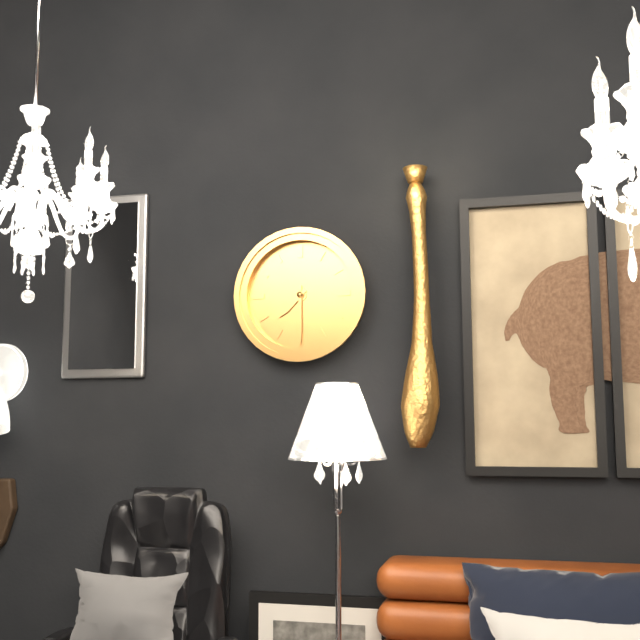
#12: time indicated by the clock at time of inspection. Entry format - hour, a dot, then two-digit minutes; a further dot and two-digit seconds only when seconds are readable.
7.30
